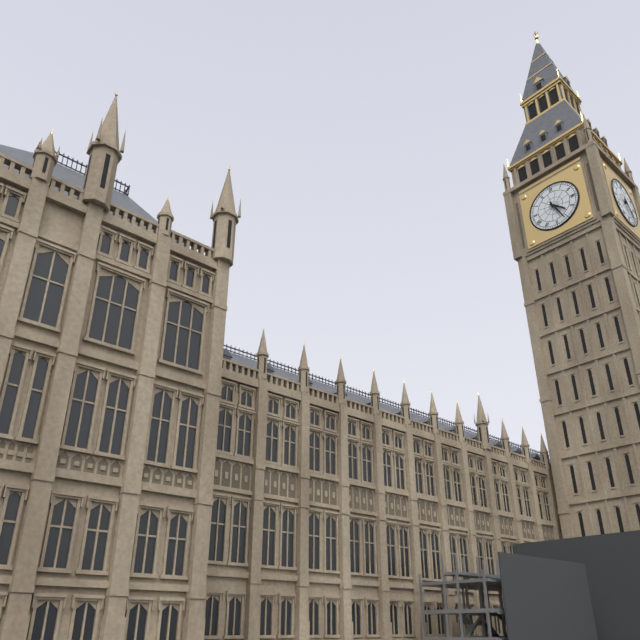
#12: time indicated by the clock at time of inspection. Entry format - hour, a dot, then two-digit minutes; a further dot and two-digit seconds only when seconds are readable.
4.26
